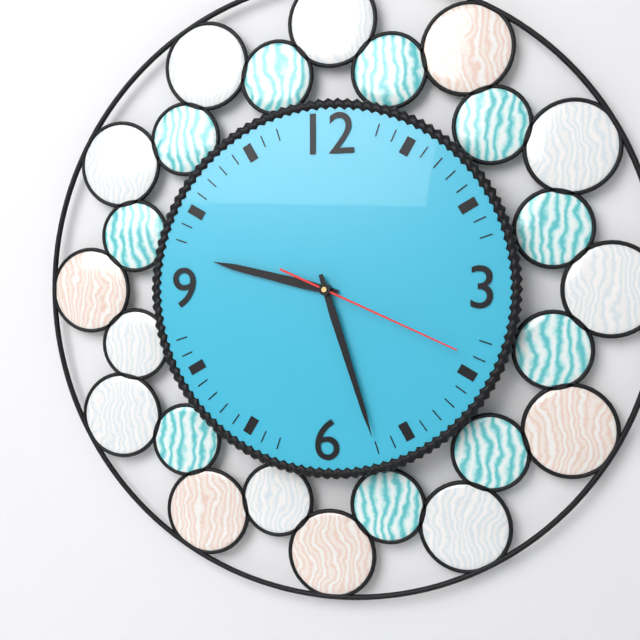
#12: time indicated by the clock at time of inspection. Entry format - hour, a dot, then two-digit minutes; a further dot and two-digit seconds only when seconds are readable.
9.27.19
